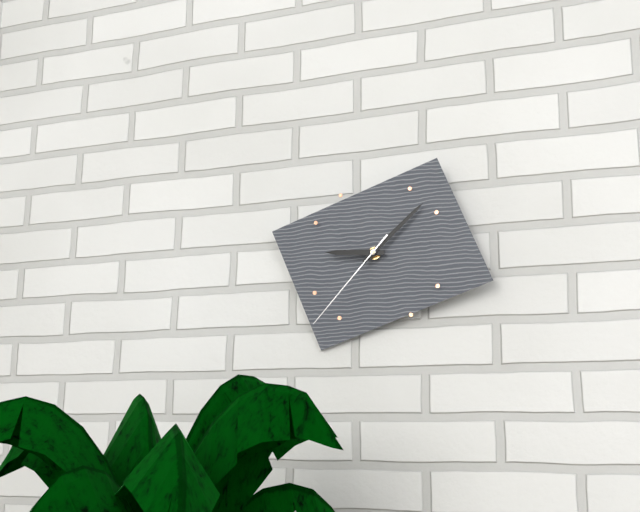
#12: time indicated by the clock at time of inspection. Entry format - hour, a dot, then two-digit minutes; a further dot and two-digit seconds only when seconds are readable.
9.08.37
